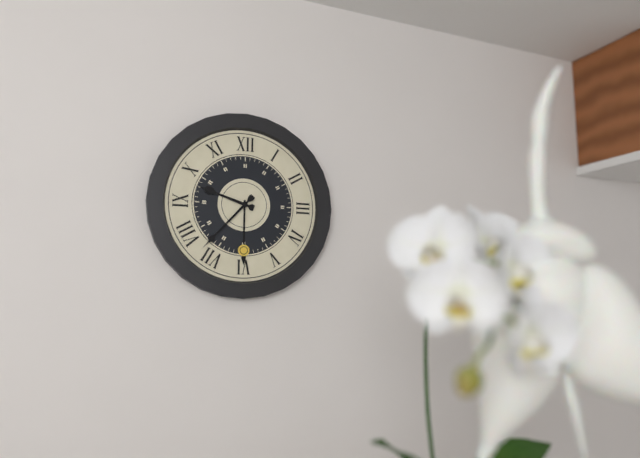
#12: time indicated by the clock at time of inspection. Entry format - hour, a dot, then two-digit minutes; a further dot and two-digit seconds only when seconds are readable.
9.37
